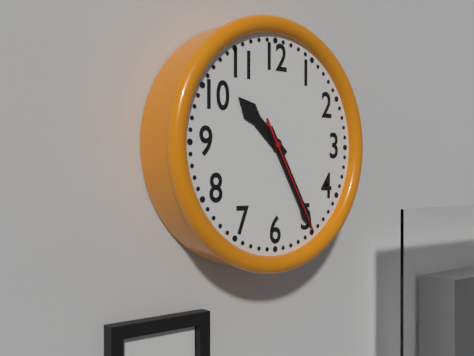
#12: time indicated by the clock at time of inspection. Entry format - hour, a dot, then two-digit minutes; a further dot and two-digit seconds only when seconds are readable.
10.25.25
